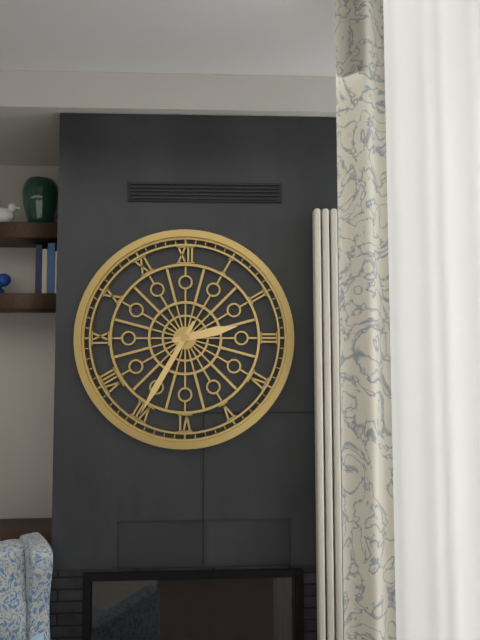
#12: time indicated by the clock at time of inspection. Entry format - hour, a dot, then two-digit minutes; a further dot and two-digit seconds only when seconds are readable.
2.35
